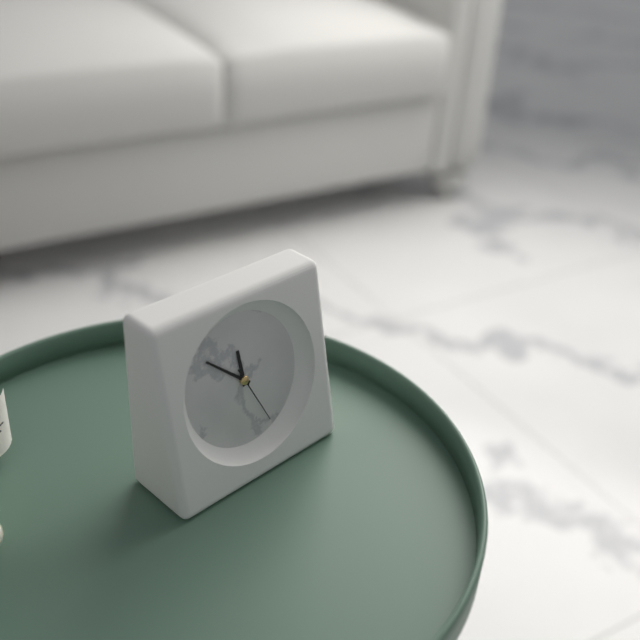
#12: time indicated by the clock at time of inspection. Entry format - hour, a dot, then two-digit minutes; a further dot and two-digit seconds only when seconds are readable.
11.52.26
